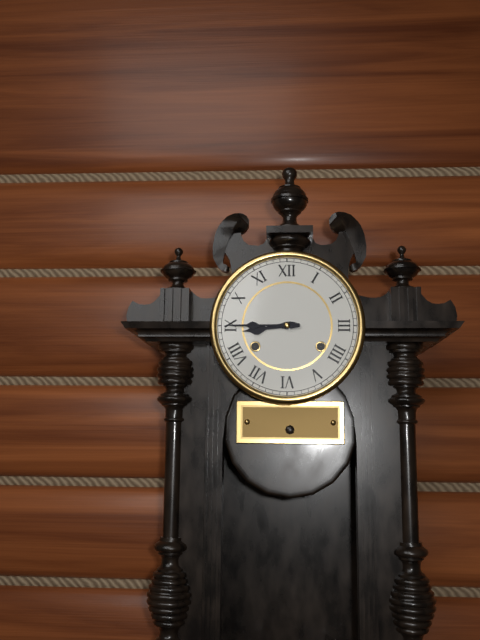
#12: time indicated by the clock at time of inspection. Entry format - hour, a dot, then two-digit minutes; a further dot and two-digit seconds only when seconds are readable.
8.45
